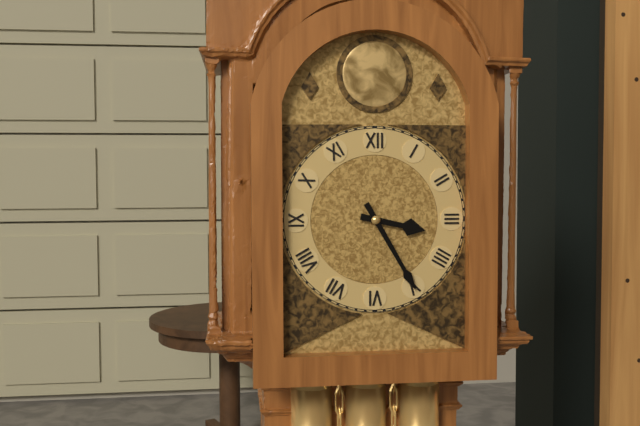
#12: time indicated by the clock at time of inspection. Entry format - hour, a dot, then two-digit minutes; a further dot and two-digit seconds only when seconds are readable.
3.25
